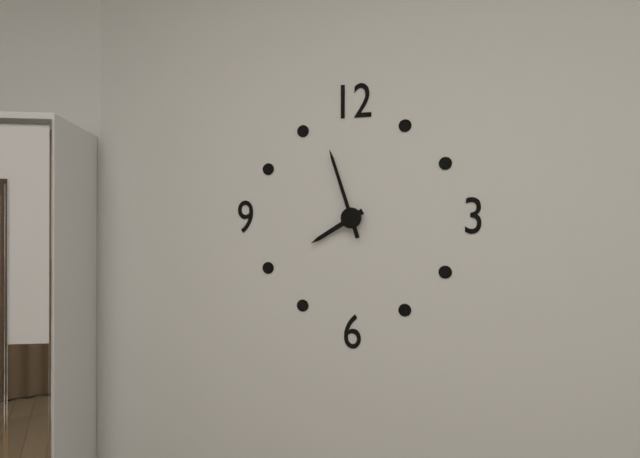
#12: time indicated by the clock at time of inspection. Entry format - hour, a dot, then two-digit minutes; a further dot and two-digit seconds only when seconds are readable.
7.57
